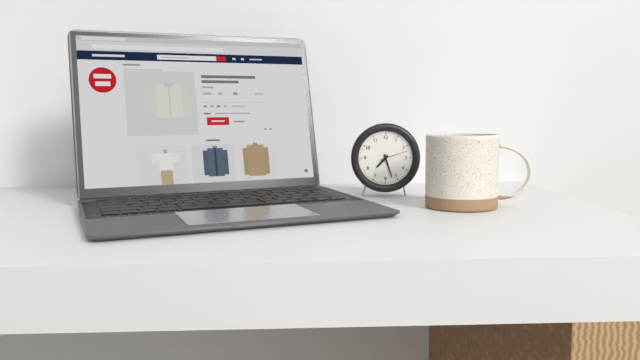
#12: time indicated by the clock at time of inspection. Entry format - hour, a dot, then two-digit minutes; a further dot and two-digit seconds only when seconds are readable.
7.27
